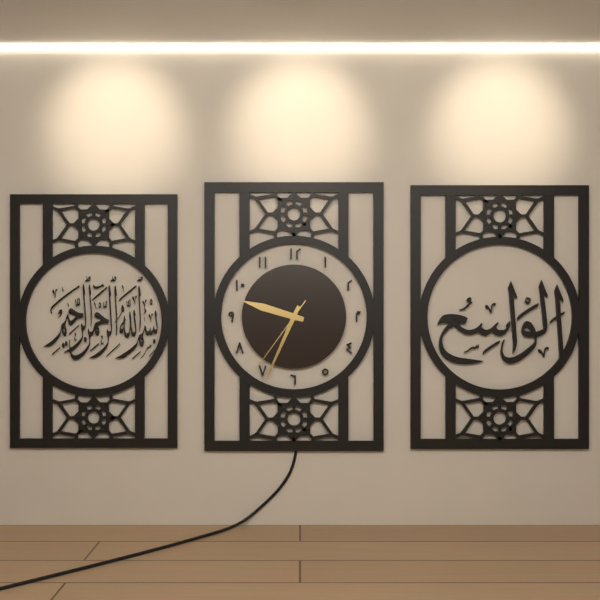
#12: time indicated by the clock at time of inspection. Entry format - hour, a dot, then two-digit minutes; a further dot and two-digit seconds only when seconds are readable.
9.34.36
